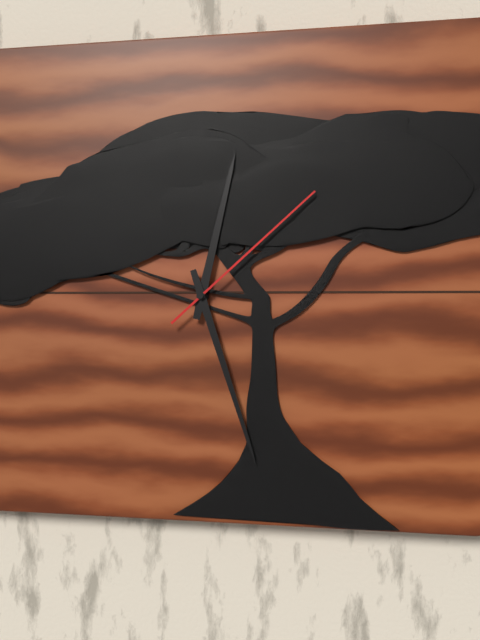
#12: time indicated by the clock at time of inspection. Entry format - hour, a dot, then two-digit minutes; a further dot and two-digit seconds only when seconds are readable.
12.27.08
